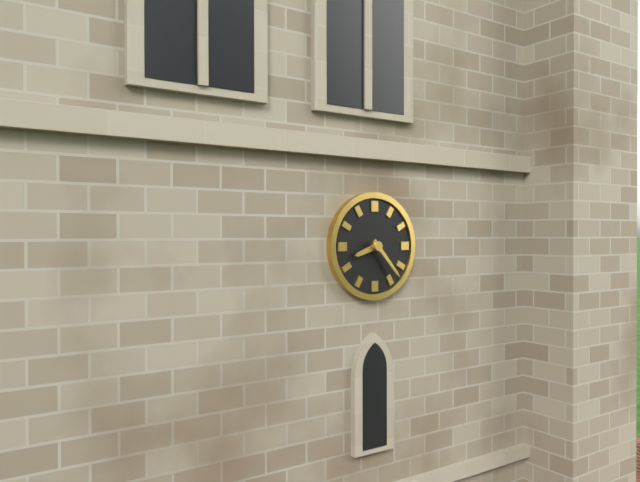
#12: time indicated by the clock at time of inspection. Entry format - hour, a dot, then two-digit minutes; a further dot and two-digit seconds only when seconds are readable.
8.23
